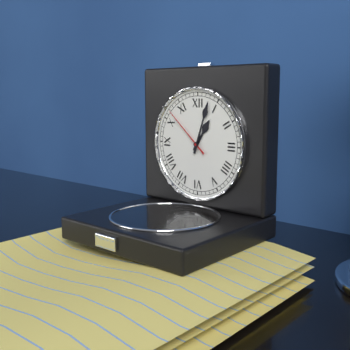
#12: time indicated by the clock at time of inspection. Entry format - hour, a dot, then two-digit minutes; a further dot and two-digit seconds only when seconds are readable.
1.03.52
